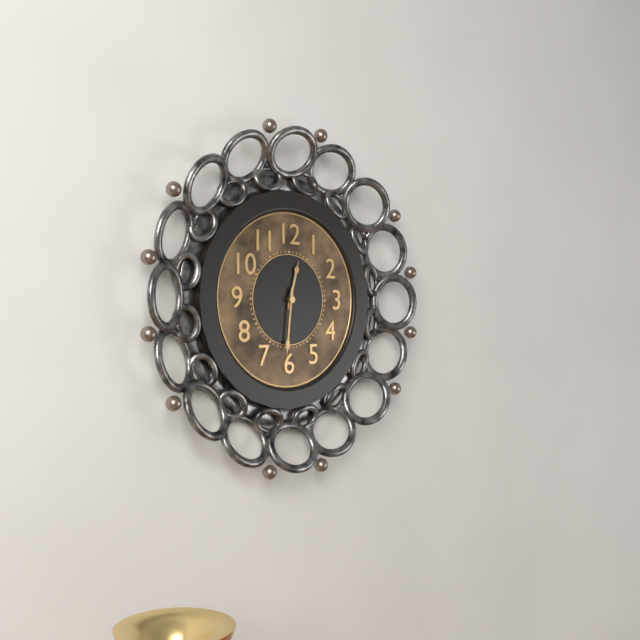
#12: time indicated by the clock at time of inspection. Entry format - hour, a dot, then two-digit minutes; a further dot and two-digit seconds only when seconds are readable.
12.31
